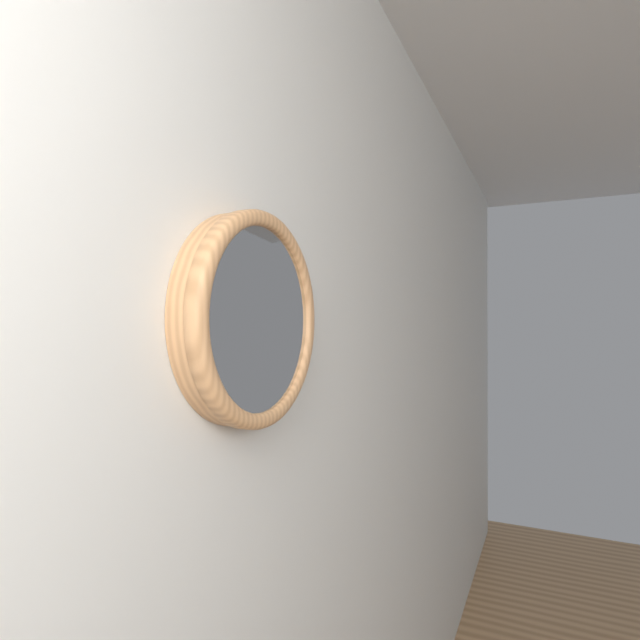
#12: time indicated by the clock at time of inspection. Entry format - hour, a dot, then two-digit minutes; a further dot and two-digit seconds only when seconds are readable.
8.37
